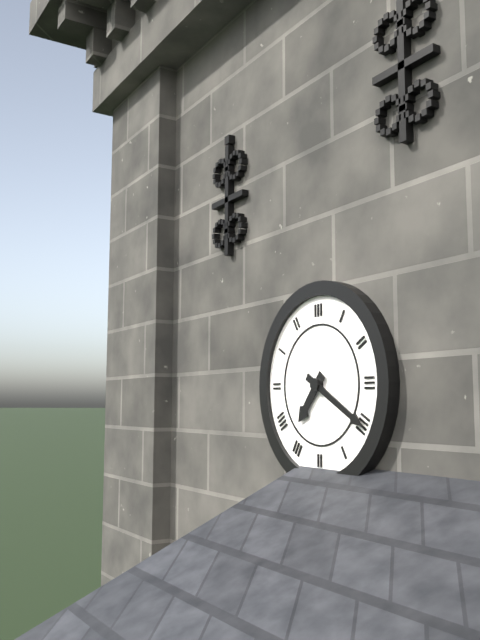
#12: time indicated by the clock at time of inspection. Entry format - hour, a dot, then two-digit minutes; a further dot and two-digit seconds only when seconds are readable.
7.20
